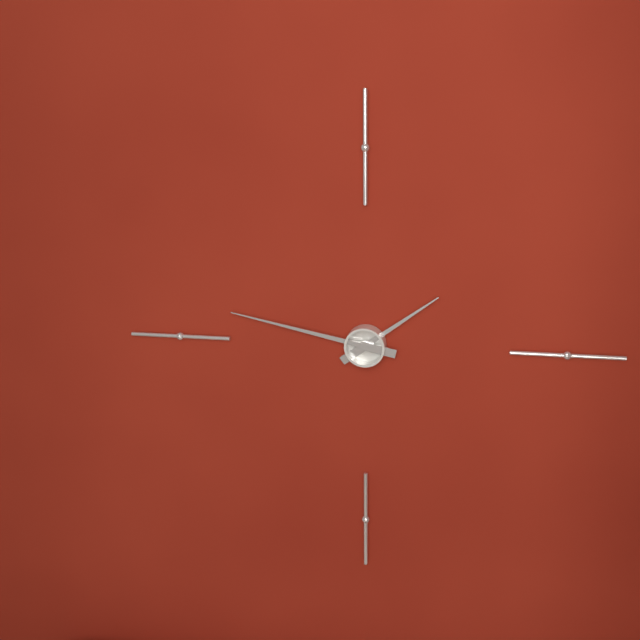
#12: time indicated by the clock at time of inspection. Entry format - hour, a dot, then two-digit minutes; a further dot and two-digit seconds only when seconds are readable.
1.47
